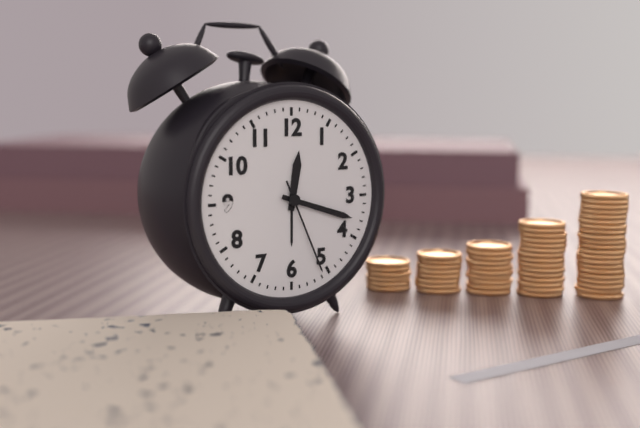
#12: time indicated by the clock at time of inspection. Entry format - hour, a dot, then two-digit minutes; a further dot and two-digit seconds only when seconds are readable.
12.18.26
